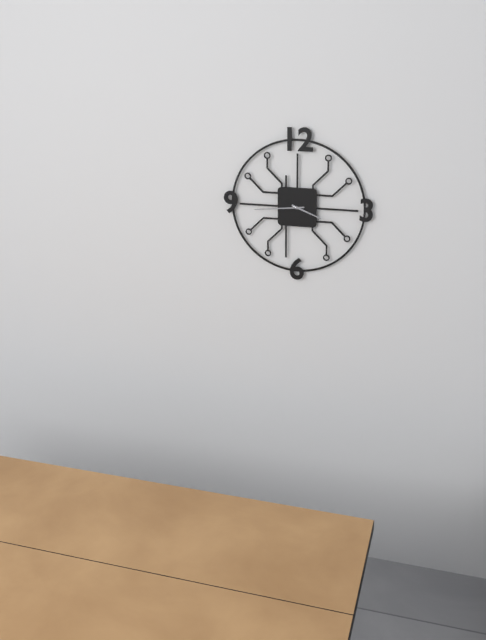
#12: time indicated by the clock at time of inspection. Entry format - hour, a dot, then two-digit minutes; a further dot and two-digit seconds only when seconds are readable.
3.44
